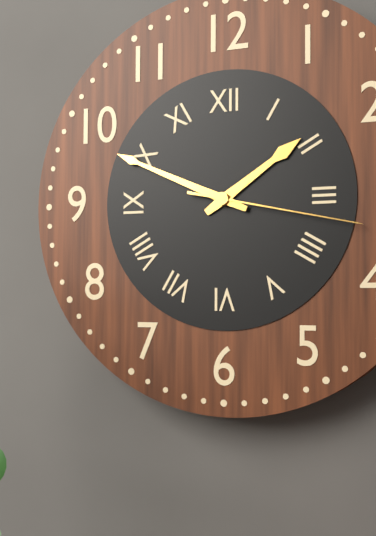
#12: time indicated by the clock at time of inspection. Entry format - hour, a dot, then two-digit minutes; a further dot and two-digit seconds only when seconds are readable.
1.49.17
